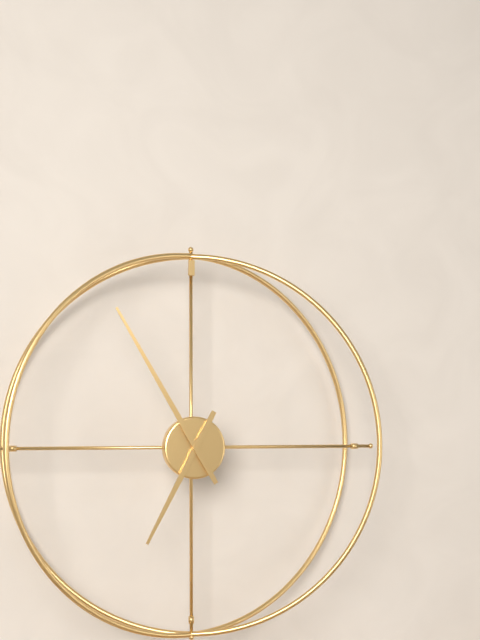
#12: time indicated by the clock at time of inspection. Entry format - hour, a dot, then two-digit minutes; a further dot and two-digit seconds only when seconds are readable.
6.55
